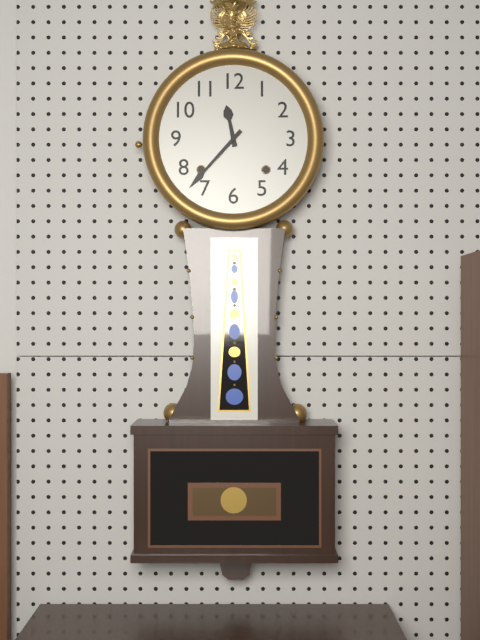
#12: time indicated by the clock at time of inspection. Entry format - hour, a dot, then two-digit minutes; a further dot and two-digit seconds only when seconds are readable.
11.37
